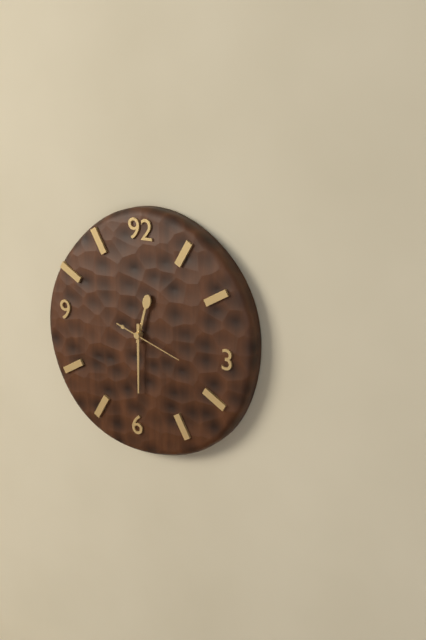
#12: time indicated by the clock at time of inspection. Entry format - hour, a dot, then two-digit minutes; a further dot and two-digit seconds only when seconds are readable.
12.30.18
